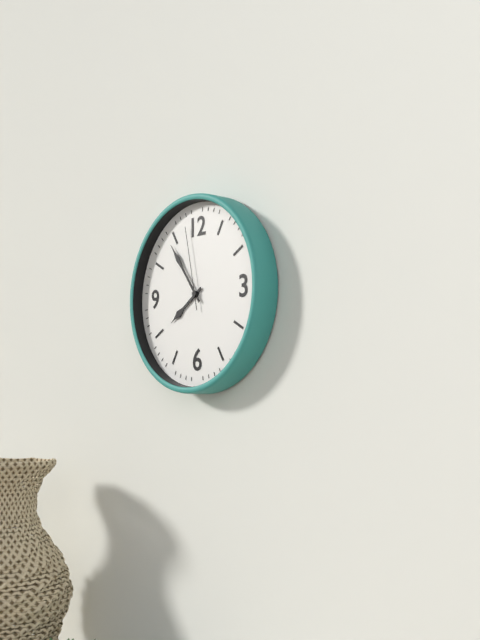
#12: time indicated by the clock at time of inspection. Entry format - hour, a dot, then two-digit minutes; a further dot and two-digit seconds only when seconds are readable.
7.54.58
